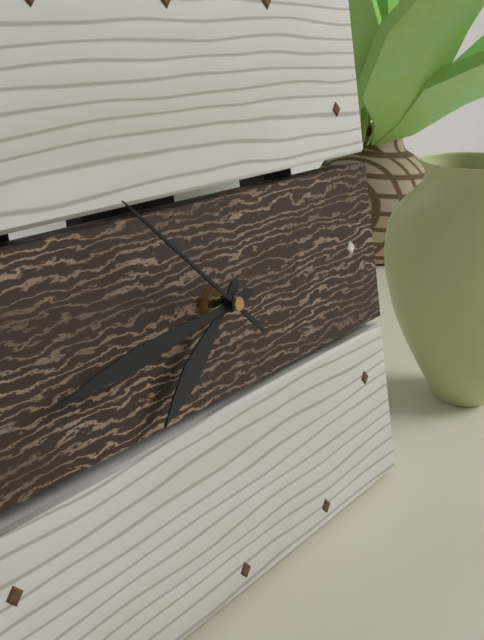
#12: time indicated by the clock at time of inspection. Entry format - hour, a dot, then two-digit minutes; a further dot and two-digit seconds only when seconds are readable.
7.44.52
